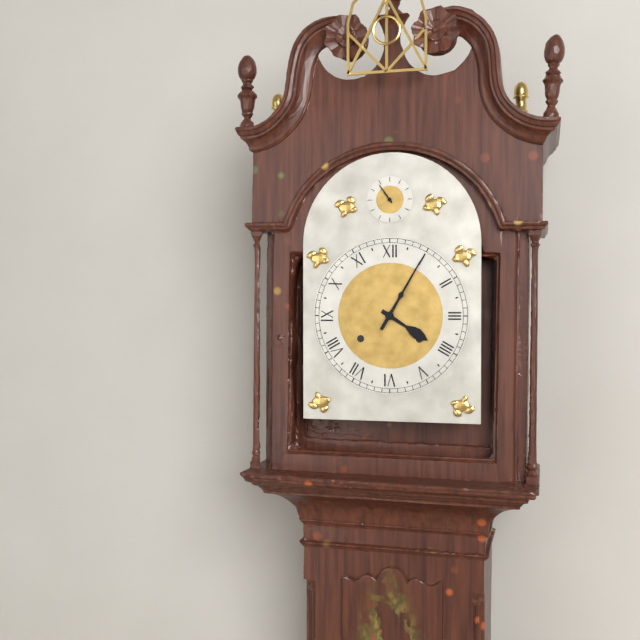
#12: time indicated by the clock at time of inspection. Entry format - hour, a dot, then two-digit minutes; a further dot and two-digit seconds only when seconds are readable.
4.05
